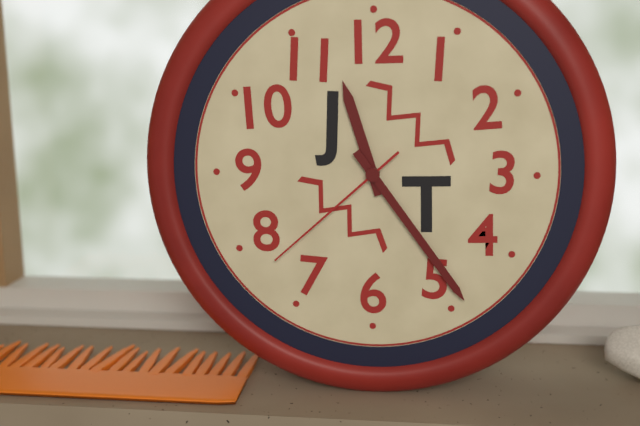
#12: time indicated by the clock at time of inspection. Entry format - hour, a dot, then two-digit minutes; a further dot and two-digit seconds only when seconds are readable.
11.24.38
